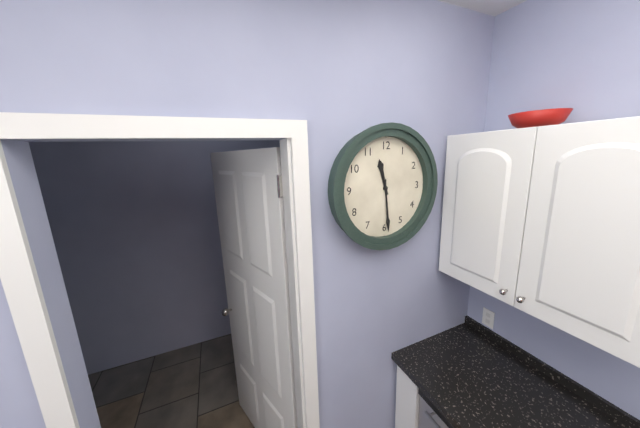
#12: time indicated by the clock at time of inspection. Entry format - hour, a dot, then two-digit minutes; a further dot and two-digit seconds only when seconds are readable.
11.29
